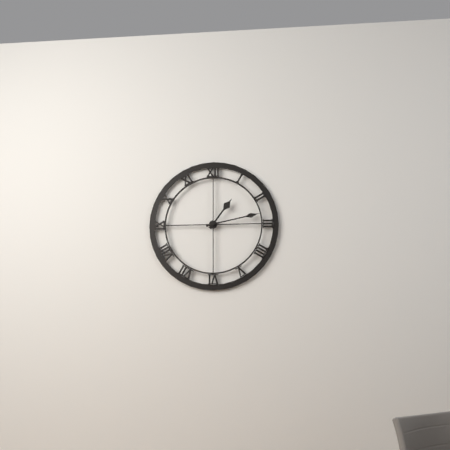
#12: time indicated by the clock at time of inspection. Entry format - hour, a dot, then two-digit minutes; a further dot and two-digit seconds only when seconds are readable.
1.13
